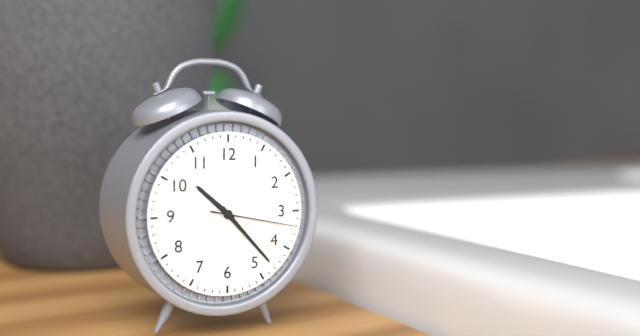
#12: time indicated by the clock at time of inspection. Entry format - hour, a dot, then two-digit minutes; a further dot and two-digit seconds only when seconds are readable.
10.23.17
